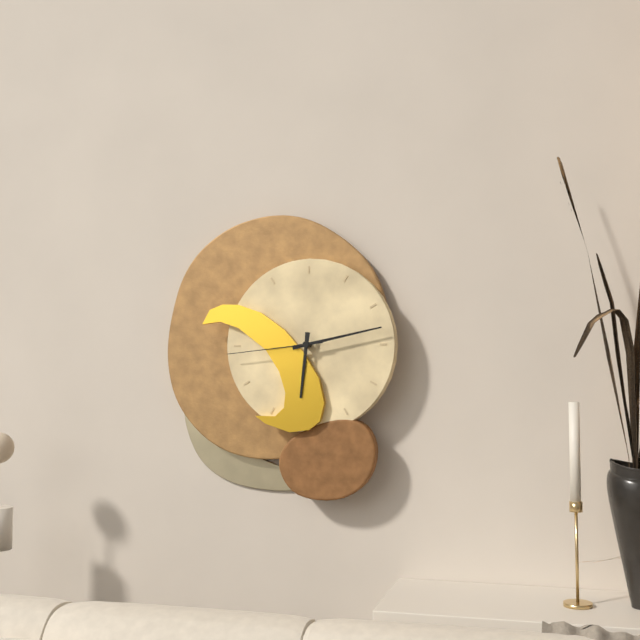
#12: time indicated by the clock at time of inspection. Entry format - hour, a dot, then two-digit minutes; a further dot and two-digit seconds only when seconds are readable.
6.13.44
